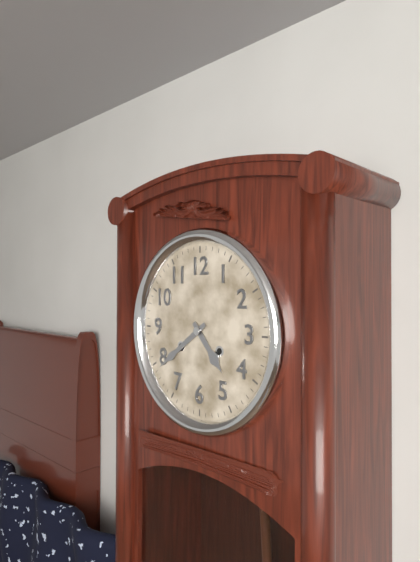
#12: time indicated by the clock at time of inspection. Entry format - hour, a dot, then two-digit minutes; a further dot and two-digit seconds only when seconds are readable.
4.39
